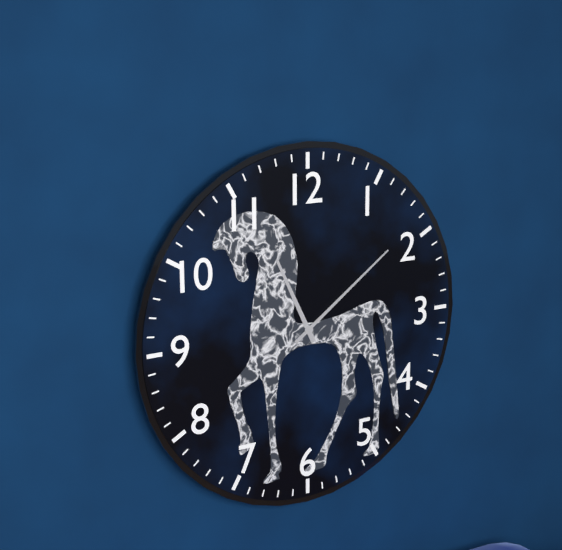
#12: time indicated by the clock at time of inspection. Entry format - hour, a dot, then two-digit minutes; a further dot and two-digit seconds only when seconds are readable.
11.09
